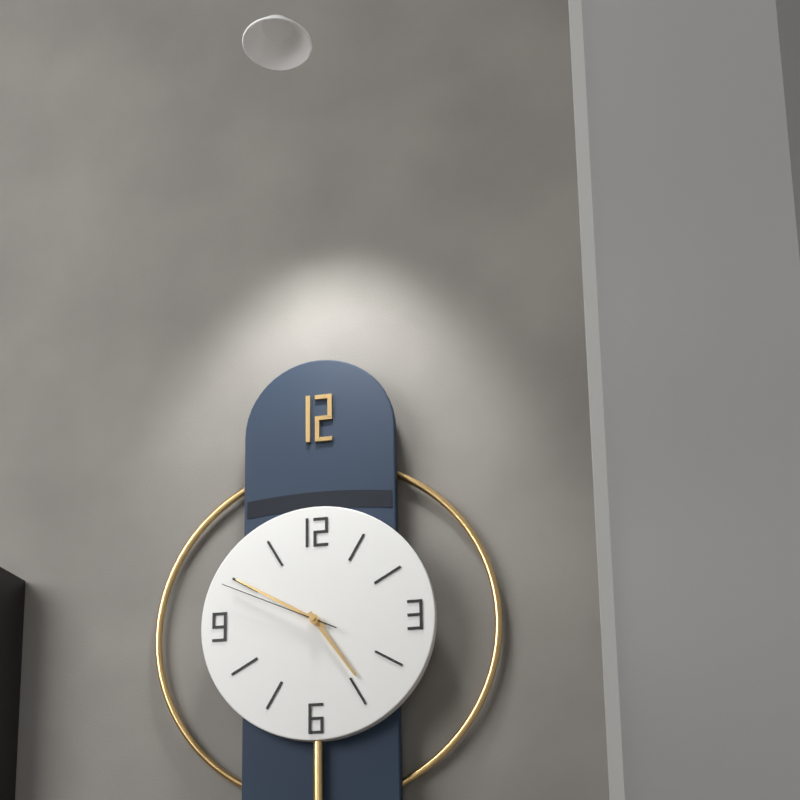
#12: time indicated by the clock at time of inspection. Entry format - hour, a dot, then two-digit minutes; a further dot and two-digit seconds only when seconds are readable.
4.50.49
